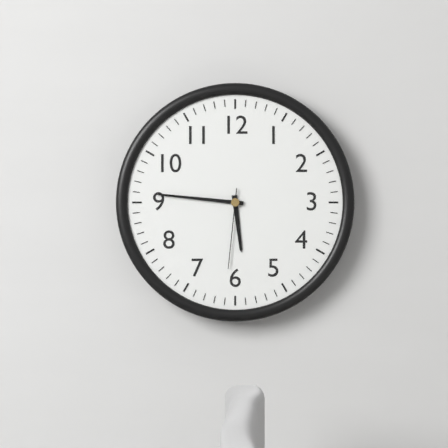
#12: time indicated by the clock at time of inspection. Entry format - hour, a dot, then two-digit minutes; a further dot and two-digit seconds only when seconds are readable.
5.46.31
